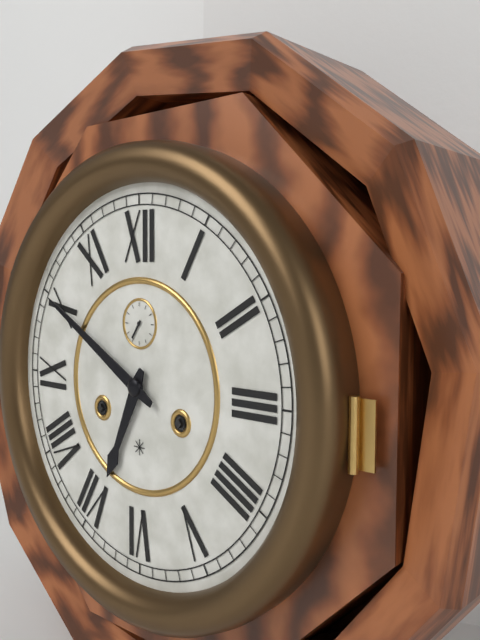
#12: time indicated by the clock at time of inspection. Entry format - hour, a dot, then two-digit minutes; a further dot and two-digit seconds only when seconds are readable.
6.50
